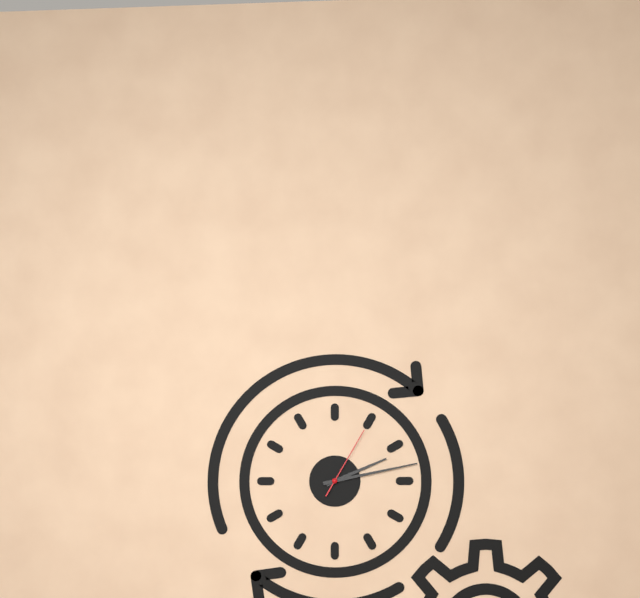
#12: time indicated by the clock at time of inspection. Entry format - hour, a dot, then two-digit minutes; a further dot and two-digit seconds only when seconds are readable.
2.13.05
